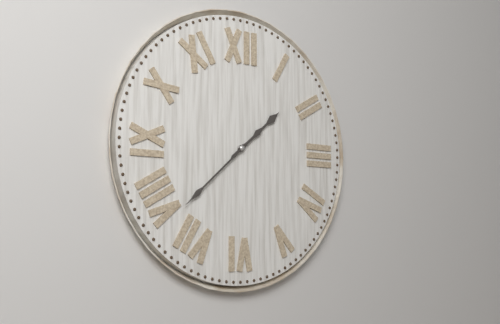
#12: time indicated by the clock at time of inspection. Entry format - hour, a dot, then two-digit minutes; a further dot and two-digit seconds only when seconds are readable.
1.38
